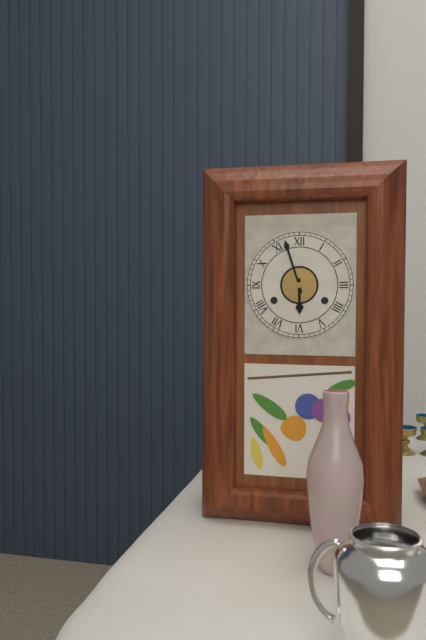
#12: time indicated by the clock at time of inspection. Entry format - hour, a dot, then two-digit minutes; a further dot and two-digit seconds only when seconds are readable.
5.57
